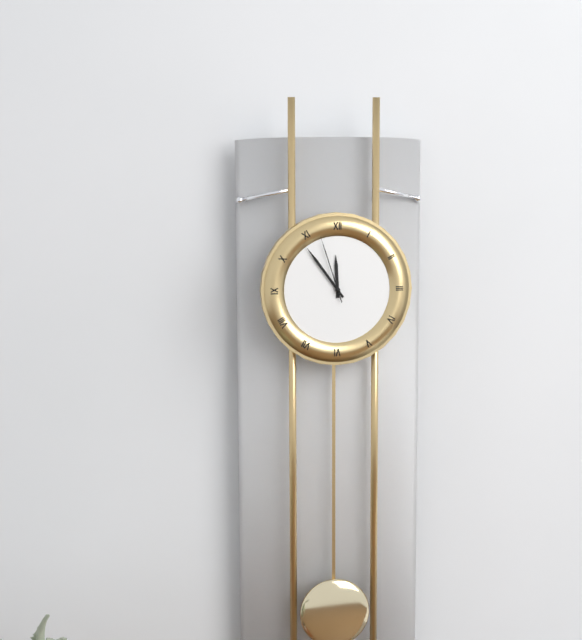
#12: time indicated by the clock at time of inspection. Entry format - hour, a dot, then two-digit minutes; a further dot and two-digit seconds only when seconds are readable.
11.54.57
